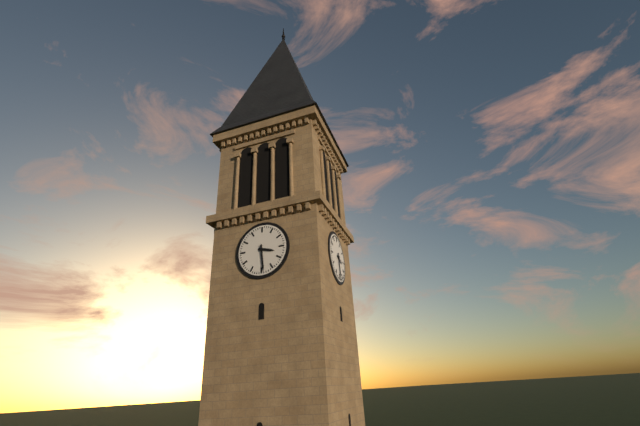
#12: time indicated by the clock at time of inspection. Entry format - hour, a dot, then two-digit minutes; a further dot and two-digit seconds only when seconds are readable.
3.29
